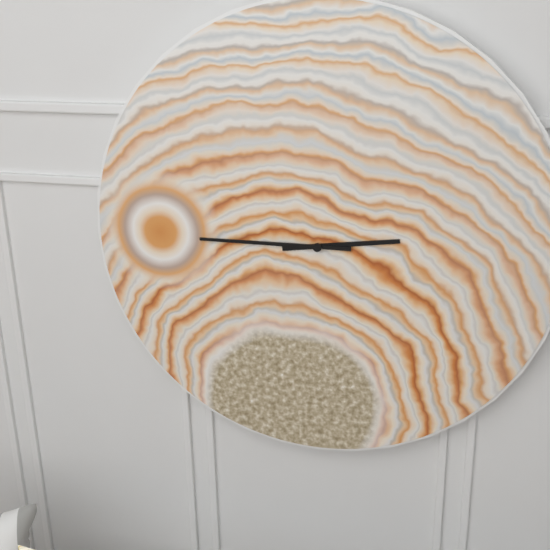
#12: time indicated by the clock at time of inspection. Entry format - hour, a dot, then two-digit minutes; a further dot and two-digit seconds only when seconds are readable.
2.45
